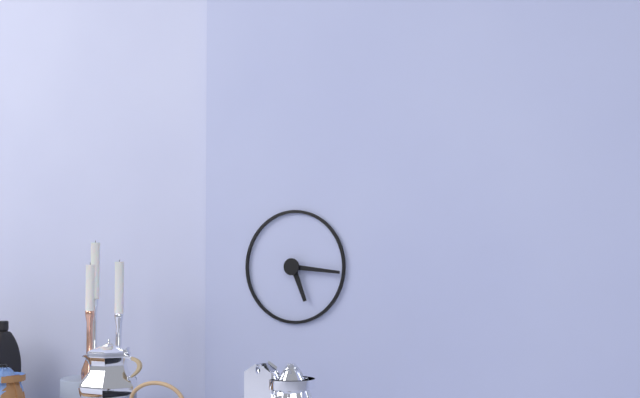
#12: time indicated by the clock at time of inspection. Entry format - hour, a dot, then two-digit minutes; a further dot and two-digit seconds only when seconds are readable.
5.16
